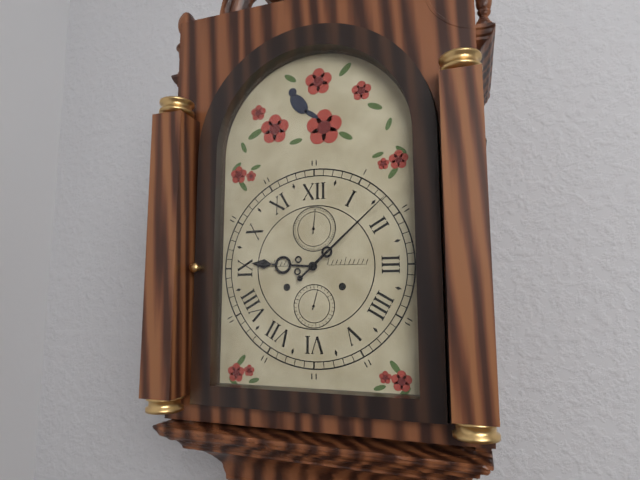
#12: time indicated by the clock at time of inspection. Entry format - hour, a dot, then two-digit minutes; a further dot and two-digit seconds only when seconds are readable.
9.08
